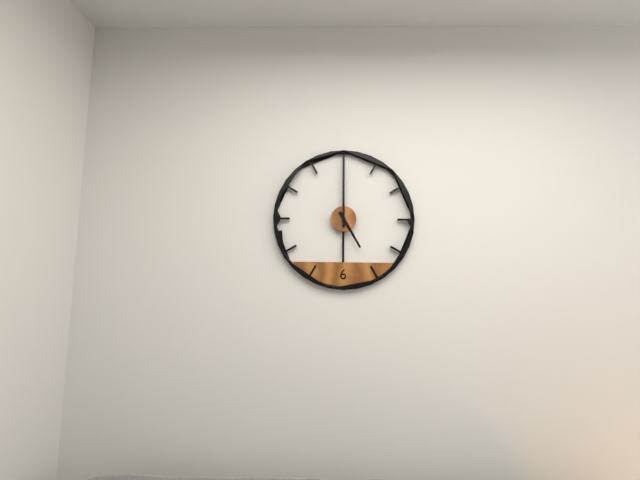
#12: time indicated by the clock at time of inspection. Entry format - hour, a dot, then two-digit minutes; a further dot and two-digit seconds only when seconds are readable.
5.00
